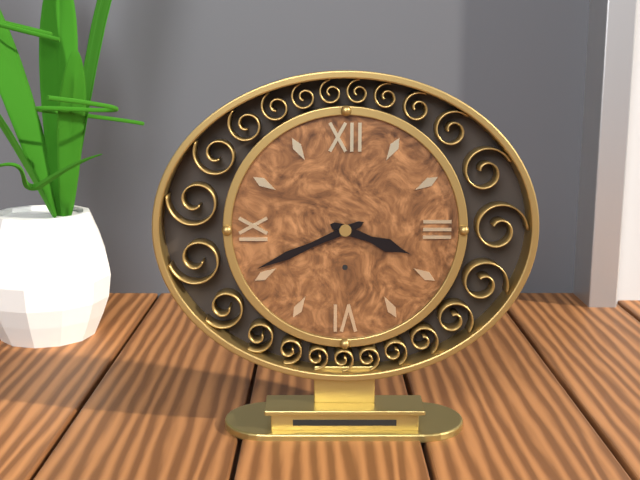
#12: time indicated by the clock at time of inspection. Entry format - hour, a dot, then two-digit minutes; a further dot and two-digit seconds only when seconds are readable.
3.41
